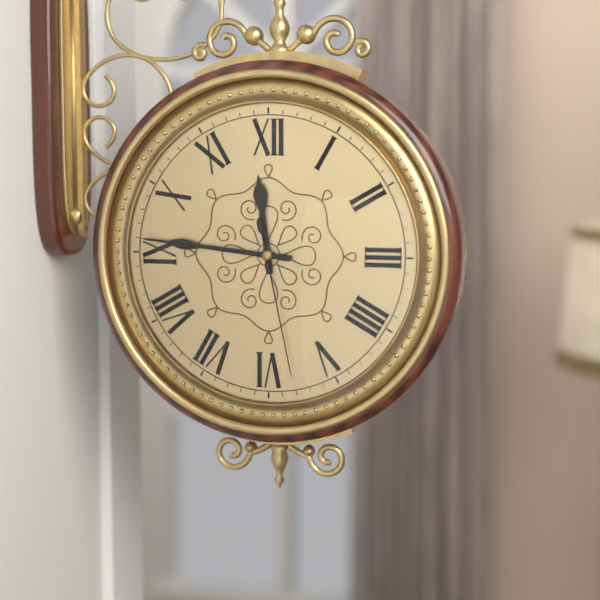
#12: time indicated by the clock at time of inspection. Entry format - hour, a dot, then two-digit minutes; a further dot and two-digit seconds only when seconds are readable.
11.46.28
